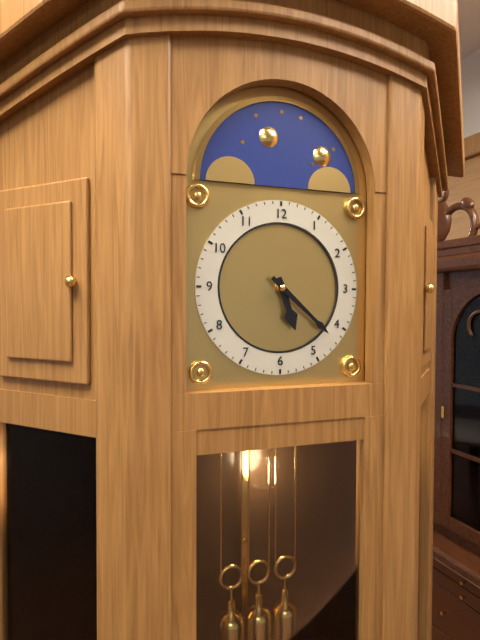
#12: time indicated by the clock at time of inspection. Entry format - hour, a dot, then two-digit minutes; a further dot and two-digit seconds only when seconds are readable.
5.22
